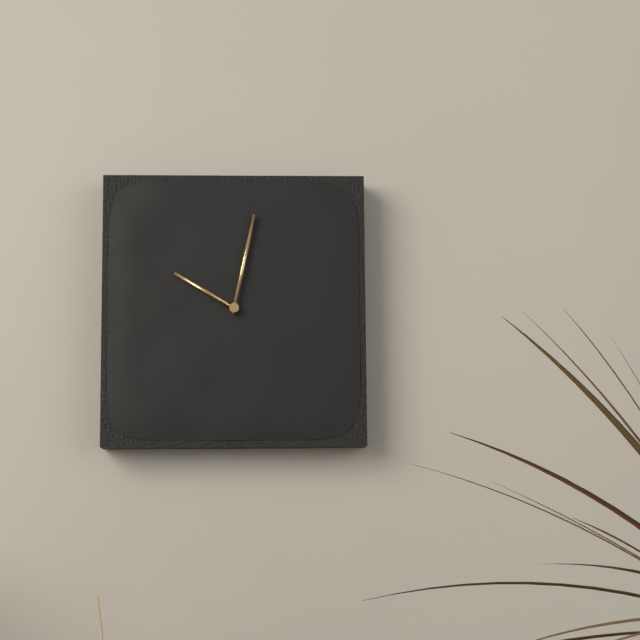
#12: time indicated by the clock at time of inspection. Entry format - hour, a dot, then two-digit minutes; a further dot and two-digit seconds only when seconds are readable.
10.02
